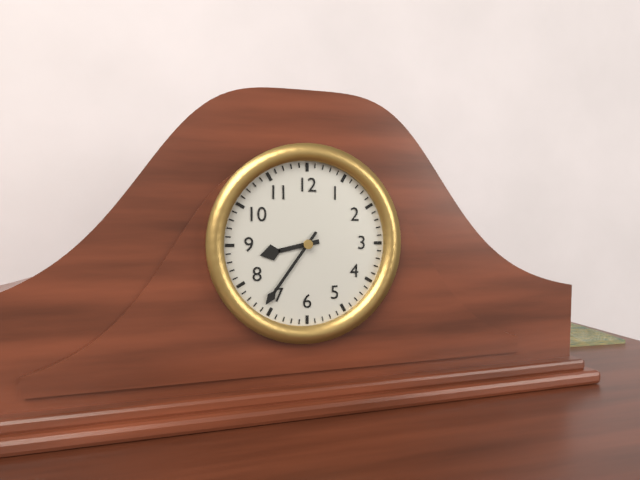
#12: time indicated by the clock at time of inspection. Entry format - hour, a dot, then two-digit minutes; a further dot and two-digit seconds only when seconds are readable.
8.36
